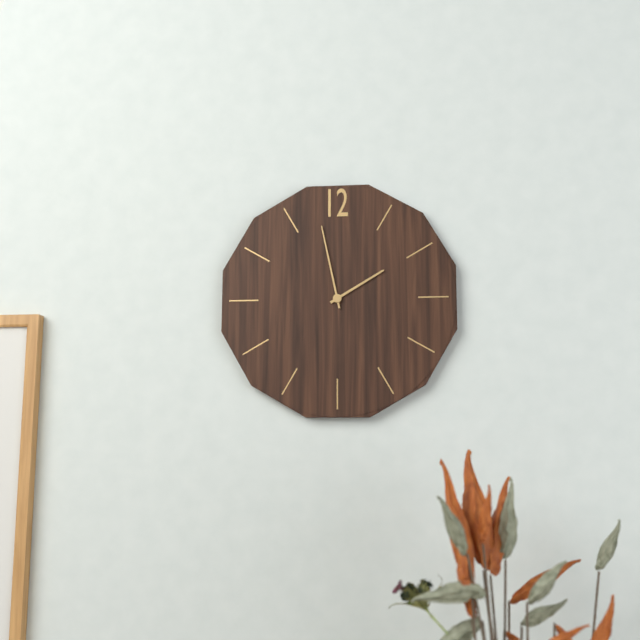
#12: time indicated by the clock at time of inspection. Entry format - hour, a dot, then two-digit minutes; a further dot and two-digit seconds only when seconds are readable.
1.58
